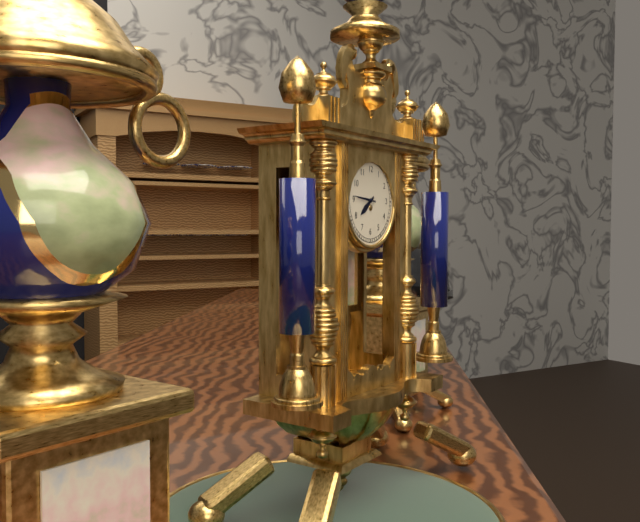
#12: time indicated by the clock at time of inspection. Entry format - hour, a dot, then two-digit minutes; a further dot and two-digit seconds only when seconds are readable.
7.46
